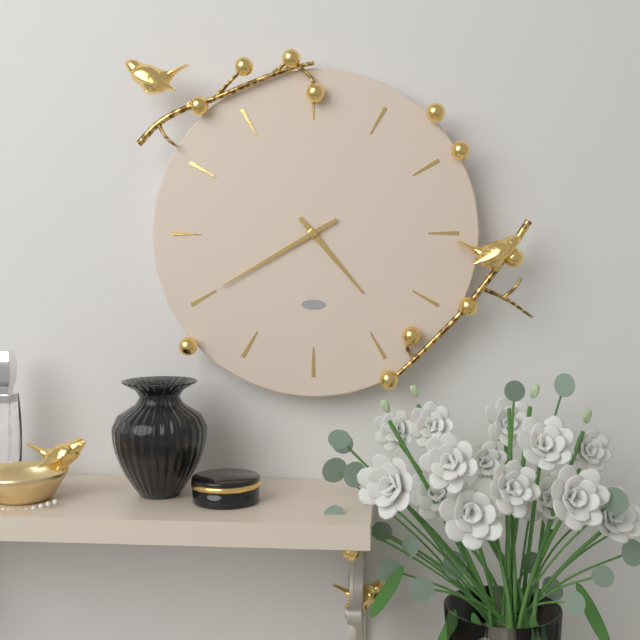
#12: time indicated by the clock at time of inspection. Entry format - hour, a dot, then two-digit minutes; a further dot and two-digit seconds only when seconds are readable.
4.40
